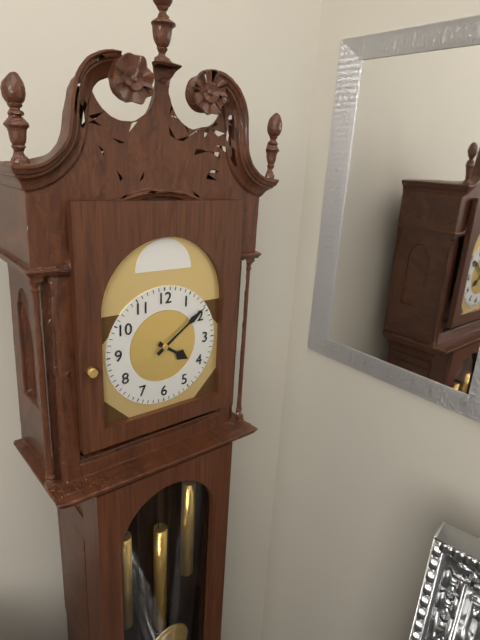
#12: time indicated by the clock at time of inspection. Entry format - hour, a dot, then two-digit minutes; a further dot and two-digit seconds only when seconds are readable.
4.09
